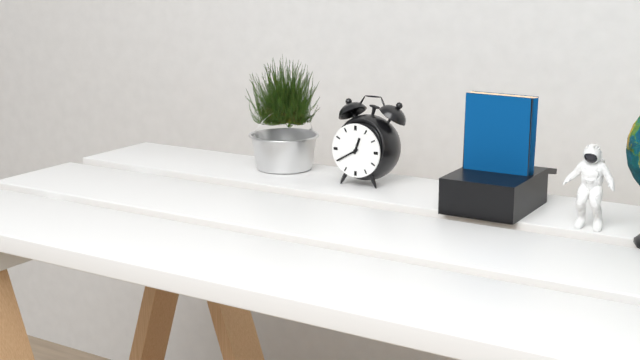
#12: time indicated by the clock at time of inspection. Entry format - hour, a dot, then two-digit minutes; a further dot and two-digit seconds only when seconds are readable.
12.40
